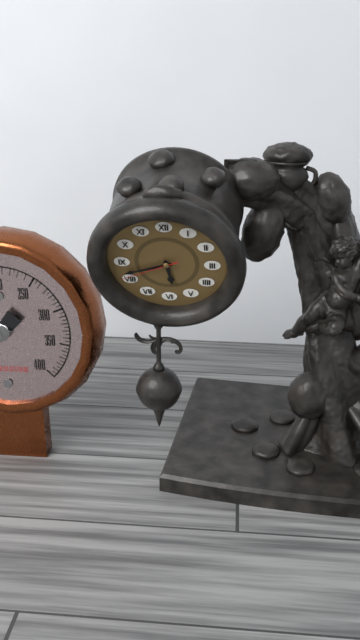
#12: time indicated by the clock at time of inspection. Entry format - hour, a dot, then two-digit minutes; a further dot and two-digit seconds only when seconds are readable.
5.42.41
